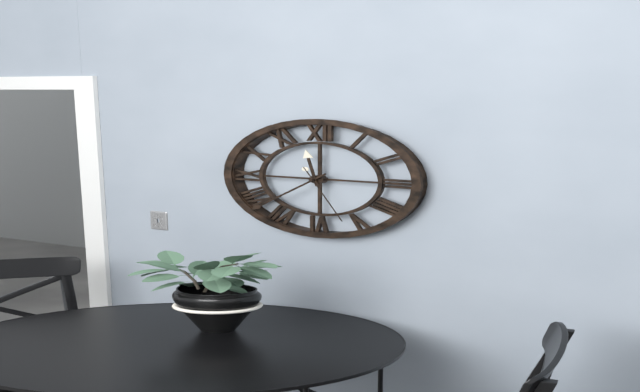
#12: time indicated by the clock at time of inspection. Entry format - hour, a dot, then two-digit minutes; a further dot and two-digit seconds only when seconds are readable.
11.38.26
